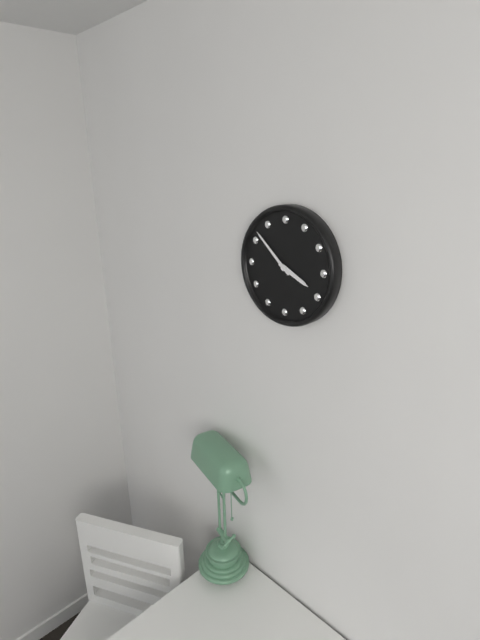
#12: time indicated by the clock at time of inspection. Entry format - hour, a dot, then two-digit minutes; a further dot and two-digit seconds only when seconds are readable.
3.52
